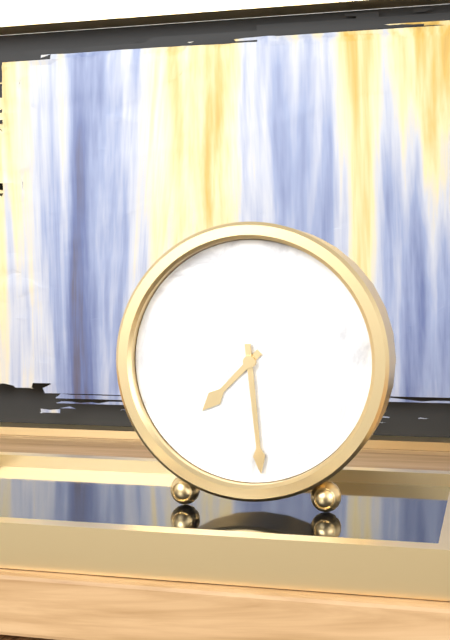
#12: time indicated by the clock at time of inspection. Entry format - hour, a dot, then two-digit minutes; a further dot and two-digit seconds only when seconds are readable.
7.29
